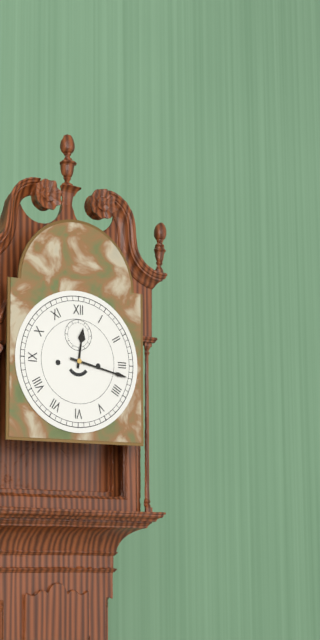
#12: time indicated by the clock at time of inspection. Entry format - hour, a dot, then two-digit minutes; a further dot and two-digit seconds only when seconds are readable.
12.17
